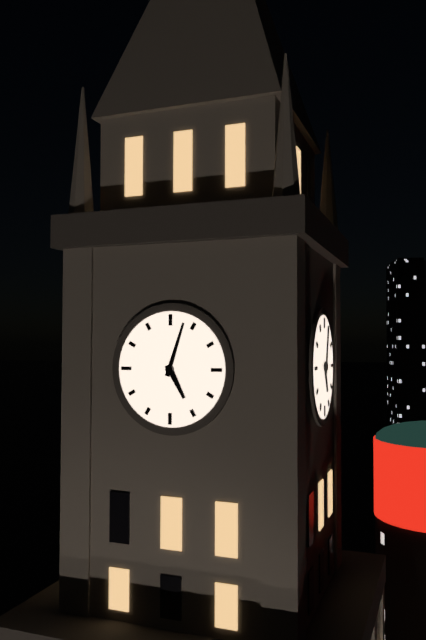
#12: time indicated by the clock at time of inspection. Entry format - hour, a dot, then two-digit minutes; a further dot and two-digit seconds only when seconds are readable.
5.03
